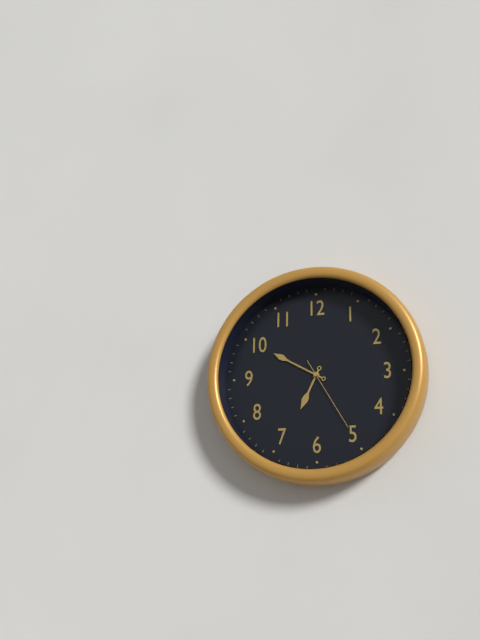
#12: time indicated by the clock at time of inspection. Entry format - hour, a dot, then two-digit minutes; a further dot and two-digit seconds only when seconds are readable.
6.50.25
